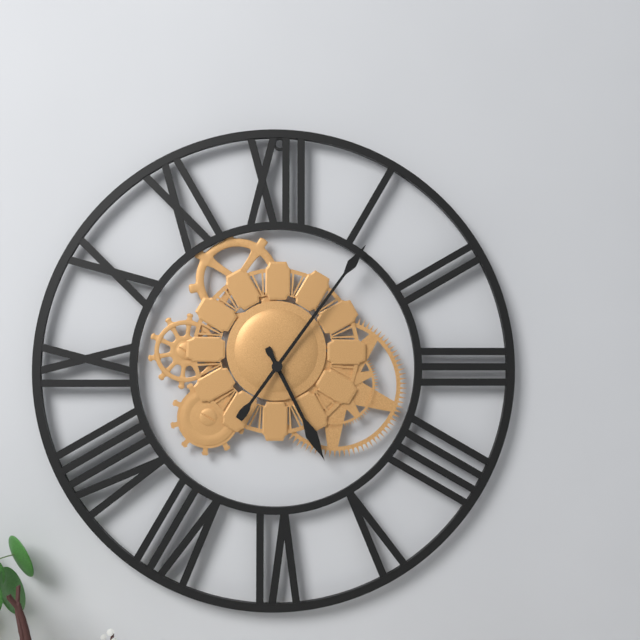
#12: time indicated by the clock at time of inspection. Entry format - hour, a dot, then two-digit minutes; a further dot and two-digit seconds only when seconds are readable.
5.06
